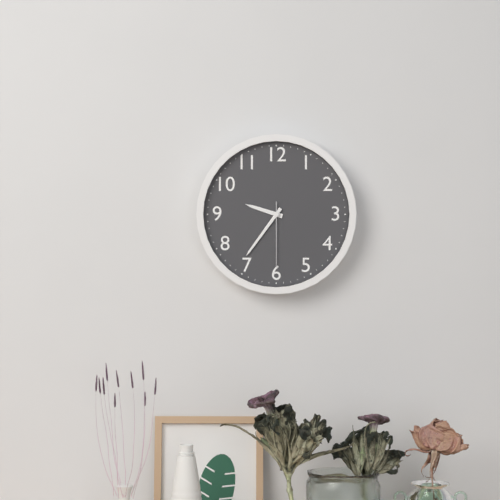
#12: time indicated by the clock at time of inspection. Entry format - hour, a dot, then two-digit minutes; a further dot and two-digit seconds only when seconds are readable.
9.36.30
